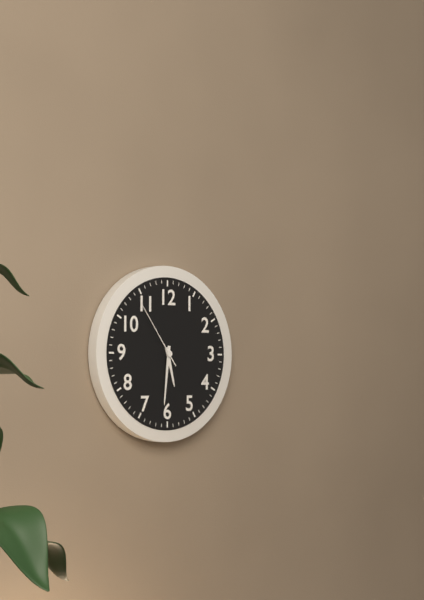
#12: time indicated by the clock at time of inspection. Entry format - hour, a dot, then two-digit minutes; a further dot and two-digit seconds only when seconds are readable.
5.31.54
